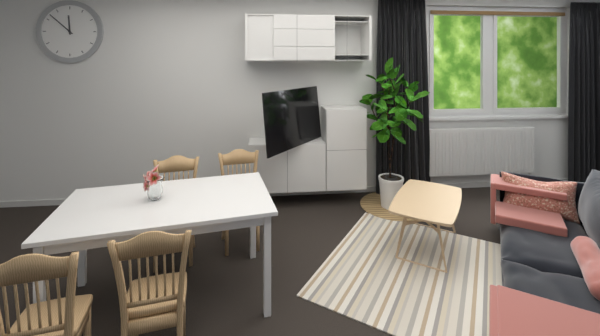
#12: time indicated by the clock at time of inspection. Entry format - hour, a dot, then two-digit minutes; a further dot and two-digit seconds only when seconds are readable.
11.52
